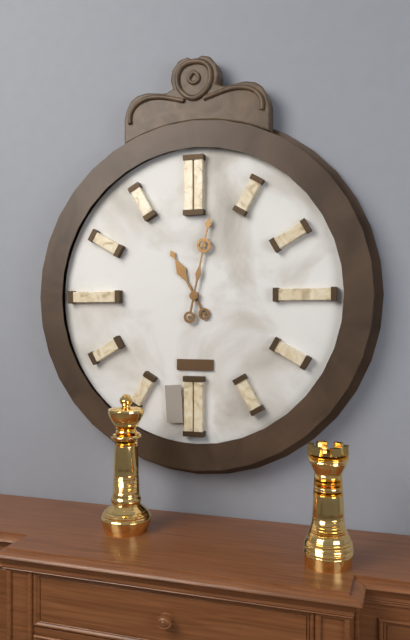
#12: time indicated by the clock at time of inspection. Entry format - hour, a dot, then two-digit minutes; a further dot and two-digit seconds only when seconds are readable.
11.02
